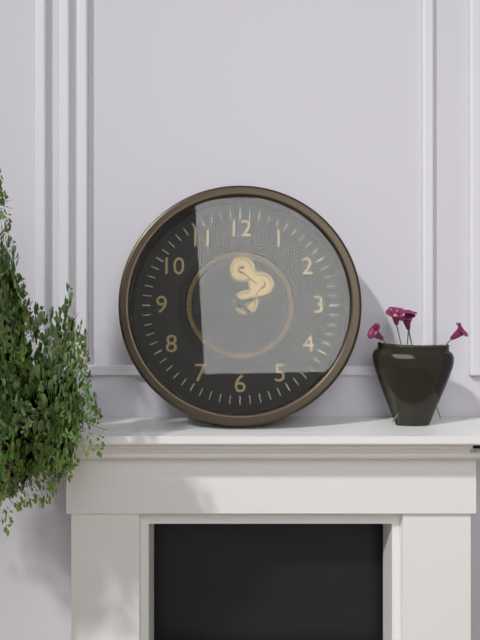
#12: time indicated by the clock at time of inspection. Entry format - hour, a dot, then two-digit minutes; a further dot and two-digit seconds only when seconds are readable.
8.23
